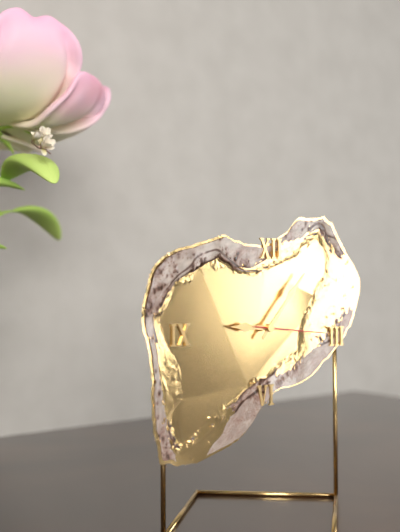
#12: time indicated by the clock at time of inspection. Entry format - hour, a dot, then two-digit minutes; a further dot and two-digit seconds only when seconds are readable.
9.07.16
